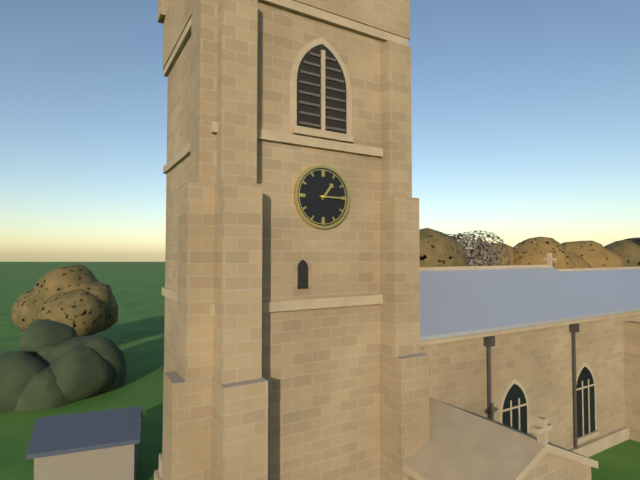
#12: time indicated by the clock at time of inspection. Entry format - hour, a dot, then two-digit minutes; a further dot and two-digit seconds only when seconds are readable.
1.15
